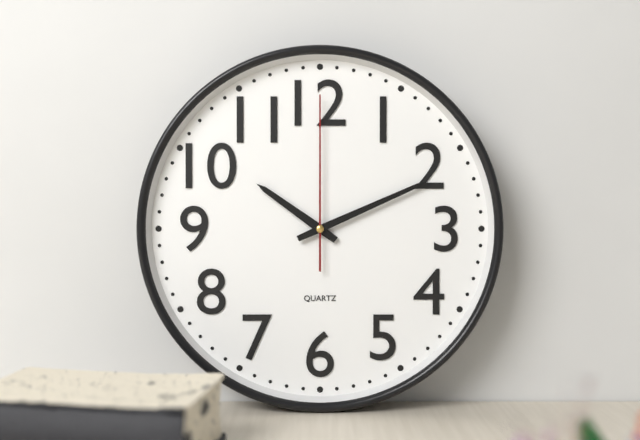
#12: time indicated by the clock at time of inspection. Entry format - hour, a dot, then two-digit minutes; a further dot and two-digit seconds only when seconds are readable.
10.11.00
